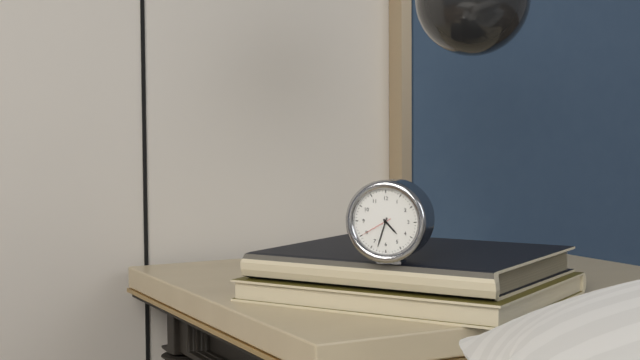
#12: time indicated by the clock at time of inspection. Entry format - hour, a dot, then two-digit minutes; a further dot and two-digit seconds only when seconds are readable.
4.33
